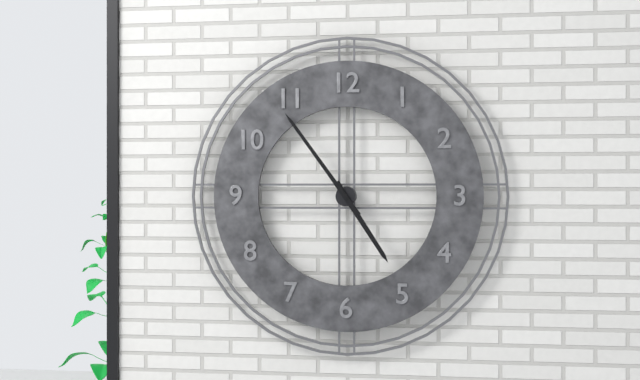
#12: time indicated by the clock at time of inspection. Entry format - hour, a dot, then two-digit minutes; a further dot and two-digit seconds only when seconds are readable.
4.54
